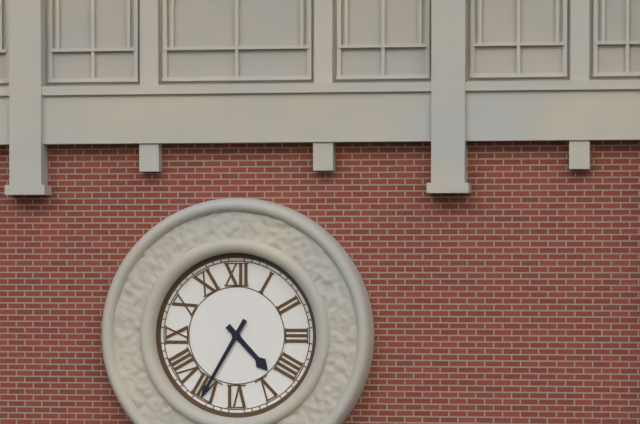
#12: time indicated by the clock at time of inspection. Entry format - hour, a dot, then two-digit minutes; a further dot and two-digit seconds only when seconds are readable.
4.35
